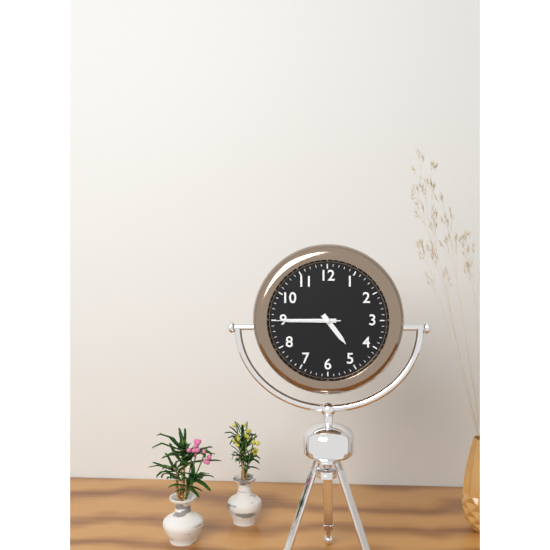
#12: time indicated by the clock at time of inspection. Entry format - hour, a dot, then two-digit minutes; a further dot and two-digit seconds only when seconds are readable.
4.45.45
